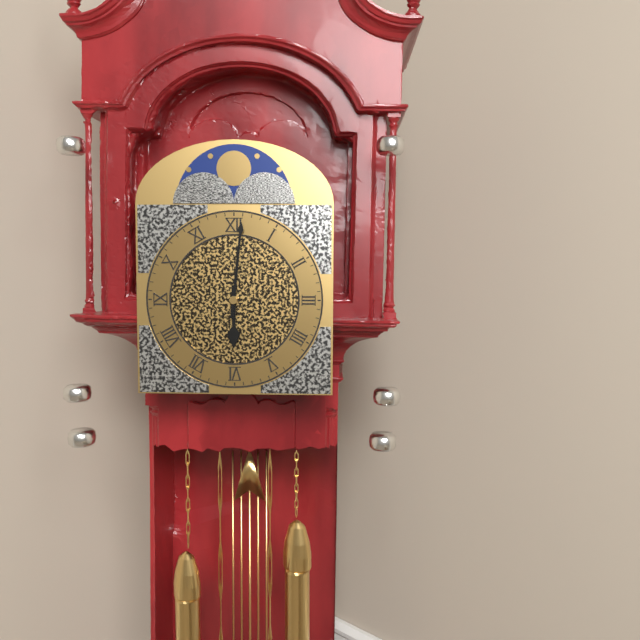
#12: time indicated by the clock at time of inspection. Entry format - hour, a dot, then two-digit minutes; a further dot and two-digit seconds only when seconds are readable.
6.01
